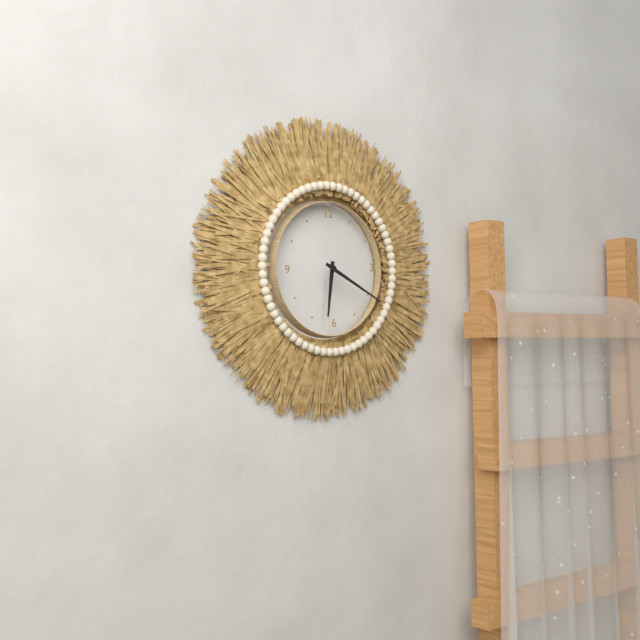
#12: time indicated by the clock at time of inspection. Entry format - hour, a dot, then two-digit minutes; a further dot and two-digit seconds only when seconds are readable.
6.20
